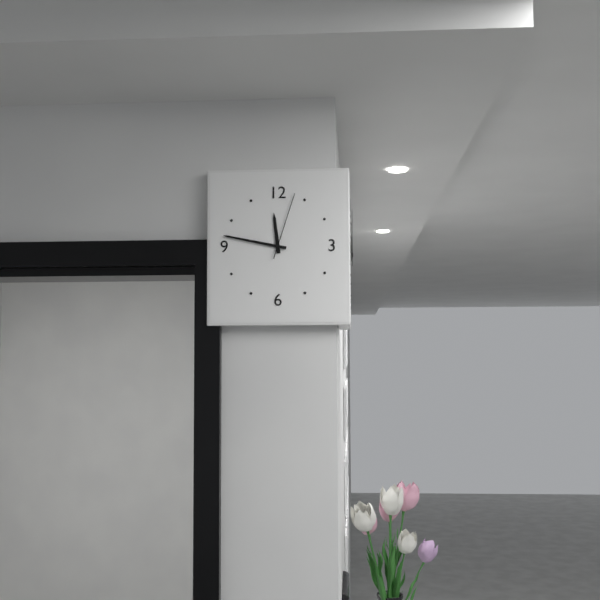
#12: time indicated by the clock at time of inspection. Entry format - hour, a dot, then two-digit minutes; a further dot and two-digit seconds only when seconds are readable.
11.47.03
